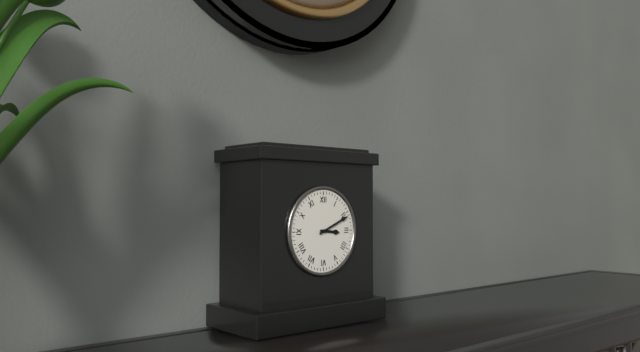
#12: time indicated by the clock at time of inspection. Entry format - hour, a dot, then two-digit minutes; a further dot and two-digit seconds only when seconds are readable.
3.11
